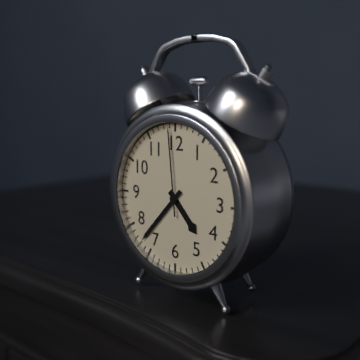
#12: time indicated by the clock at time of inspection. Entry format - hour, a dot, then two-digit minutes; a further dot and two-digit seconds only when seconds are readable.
4.37.59
